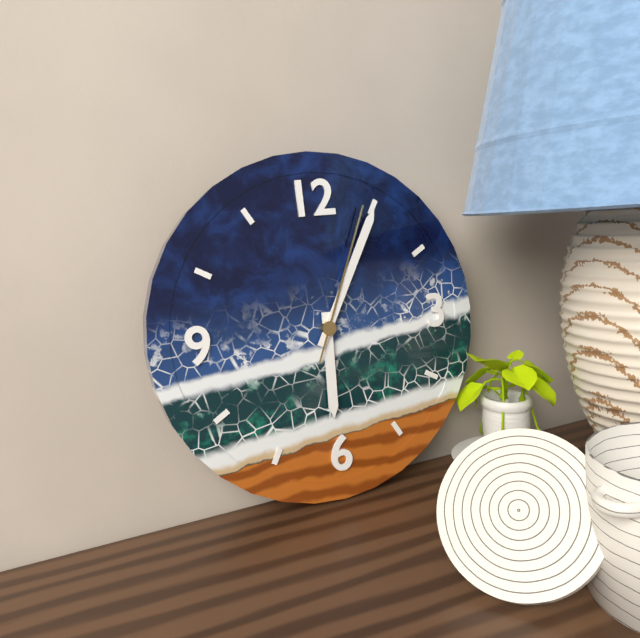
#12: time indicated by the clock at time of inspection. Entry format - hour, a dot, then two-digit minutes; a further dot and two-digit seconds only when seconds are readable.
6.05.04
